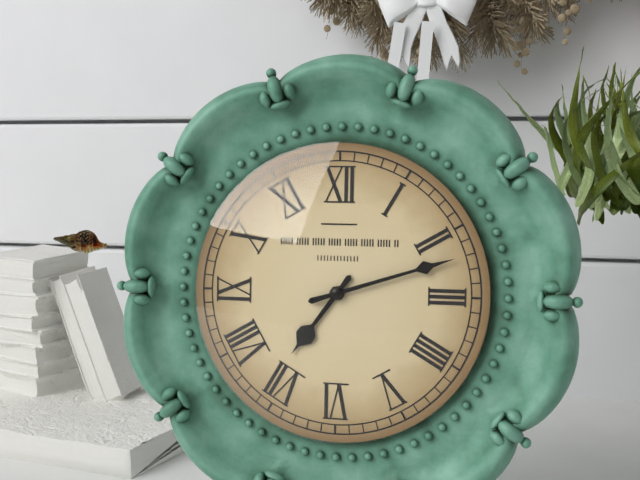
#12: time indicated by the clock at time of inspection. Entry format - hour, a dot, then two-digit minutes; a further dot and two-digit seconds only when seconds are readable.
7.12
